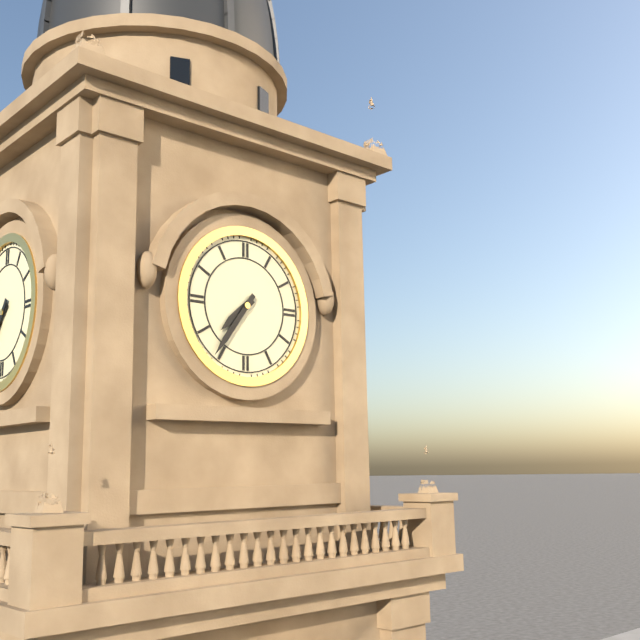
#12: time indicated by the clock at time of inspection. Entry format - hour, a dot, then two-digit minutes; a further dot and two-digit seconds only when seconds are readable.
7.36
